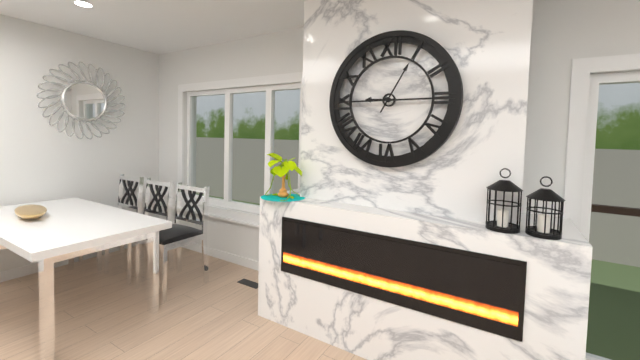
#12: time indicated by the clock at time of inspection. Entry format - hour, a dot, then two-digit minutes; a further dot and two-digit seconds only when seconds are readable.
9.05
